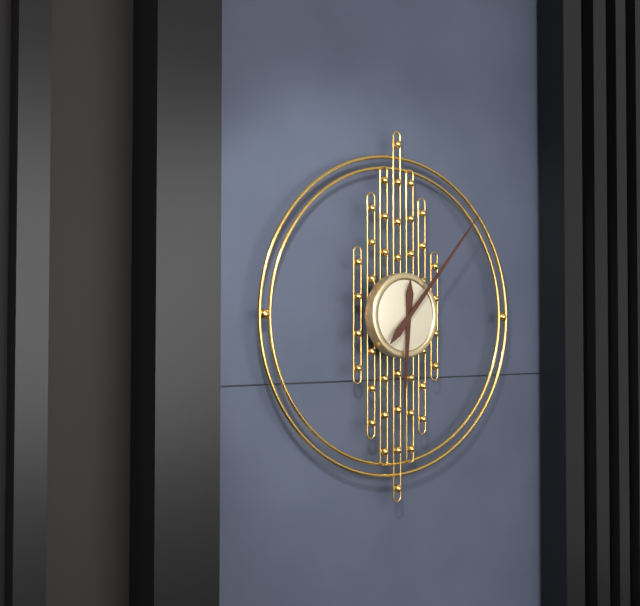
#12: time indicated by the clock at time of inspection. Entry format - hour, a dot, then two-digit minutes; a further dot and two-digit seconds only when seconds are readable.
6.07
